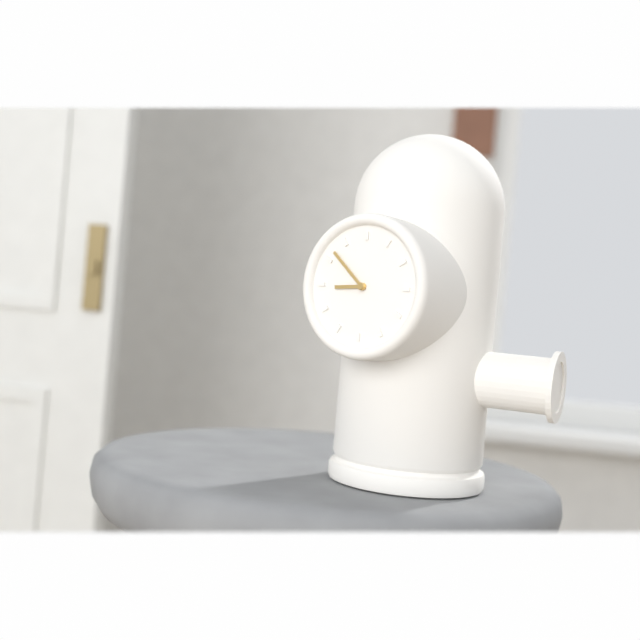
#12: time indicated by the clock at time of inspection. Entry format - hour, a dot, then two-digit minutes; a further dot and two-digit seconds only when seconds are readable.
8.52
